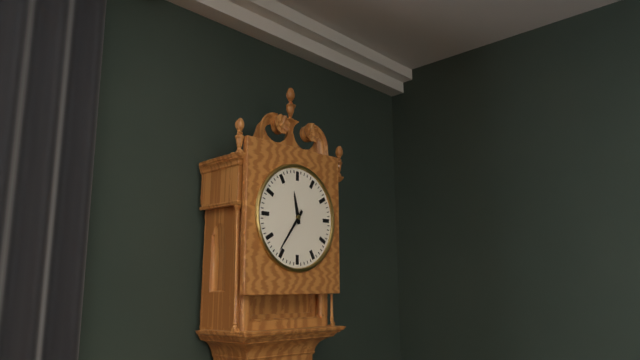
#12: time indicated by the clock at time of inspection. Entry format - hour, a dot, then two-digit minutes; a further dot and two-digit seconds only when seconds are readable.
11.36
